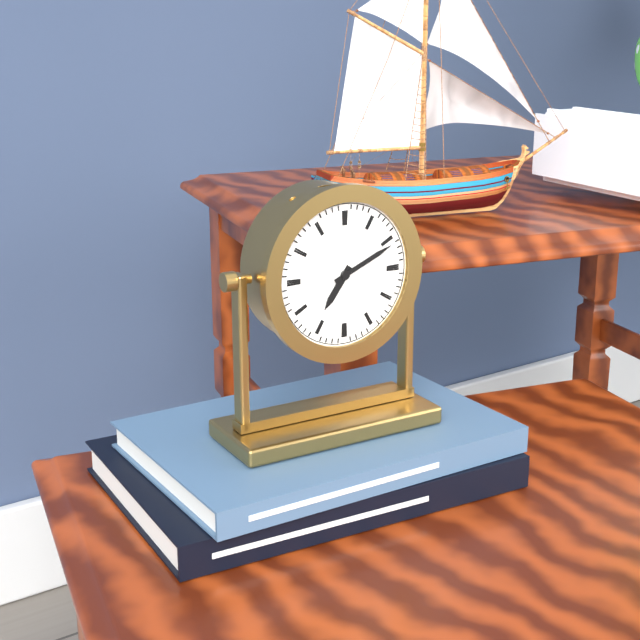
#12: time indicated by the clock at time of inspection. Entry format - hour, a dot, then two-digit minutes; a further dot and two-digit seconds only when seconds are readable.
7.11
